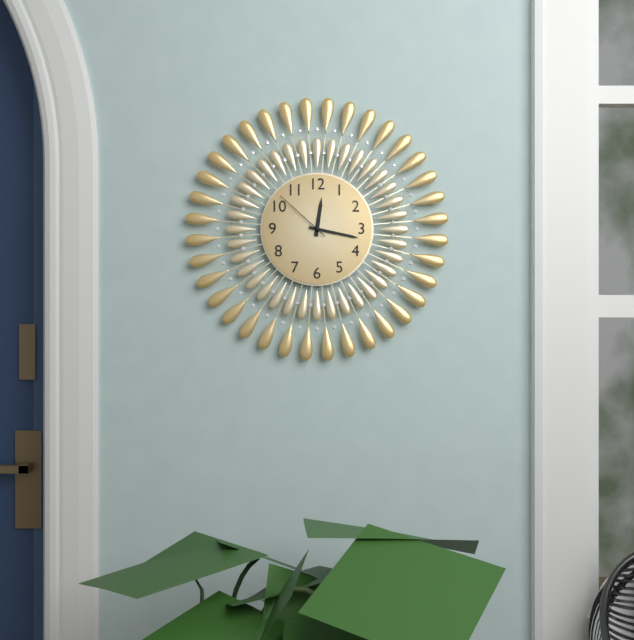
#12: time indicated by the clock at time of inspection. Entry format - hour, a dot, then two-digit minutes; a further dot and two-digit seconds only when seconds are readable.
12.17.52
